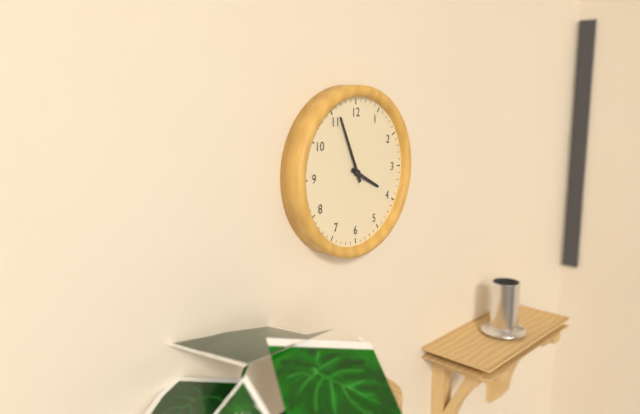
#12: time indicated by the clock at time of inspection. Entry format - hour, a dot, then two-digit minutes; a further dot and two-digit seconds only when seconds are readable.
3.56
